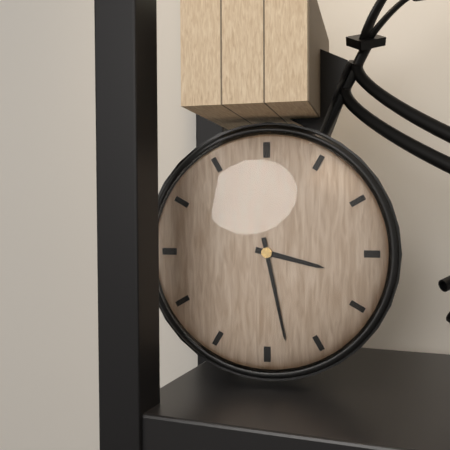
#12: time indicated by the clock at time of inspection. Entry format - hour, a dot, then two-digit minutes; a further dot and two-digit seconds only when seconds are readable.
3.28
